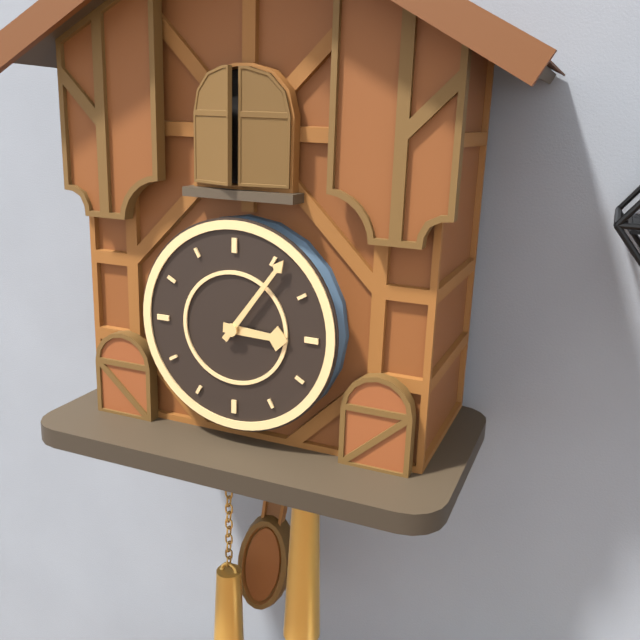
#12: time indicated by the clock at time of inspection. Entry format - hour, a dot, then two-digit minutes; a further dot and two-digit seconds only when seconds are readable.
3.06
